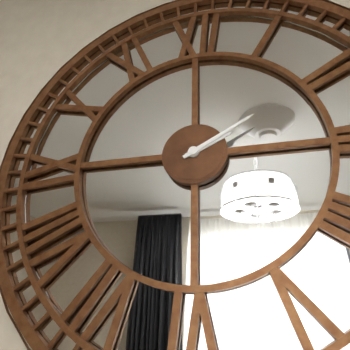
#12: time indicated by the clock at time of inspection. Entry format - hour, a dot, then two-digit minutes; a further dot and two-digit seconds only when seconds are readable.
2.10
